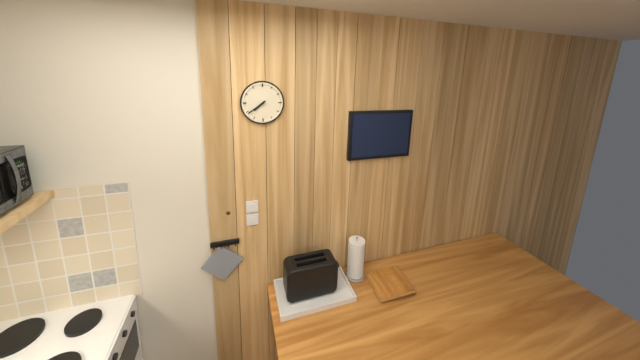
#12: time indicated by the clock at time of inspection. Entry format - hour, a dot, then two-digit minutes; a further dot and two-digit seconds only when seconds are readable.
7.39
